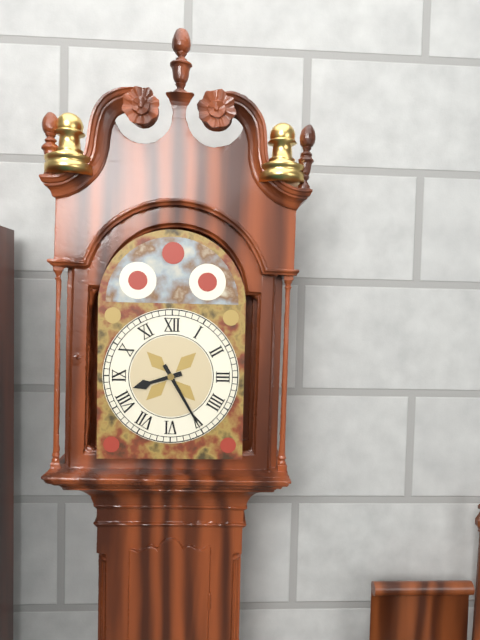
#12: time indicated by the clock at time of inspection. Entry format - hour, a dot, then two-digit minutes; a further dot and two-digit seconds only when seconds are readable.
8.25
